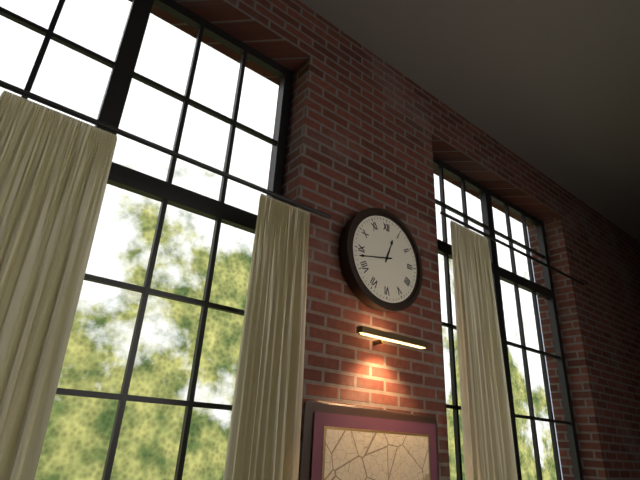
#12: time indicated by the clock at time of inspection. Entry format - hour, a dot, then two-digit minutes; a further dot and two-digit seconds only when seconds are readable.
12.43
